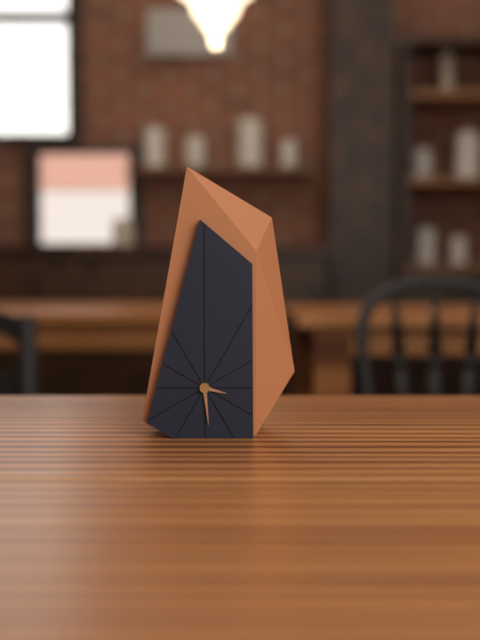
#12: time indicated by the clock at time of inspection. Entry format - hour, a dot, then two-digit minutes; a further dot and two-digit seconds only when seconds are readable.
3.29
